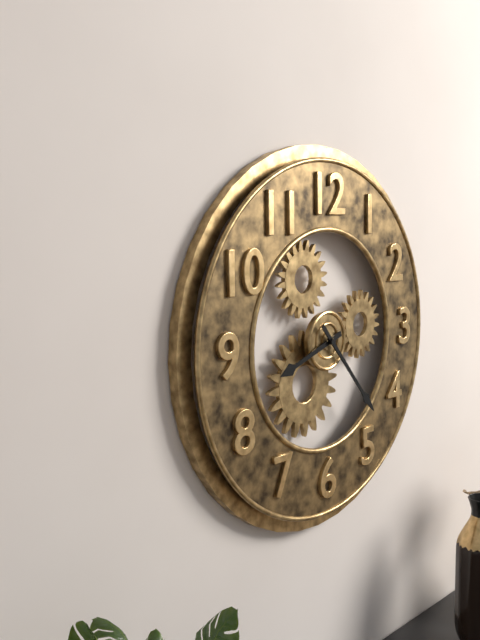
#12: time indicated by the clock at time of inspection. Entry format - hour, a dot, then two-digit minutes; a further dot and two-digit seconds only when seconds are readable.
8.23
